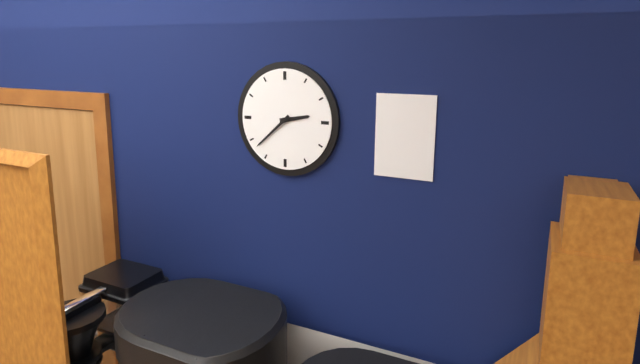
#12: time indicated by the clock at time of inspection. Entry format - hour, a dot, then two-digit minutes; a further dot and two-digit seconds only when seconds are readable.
2.38
